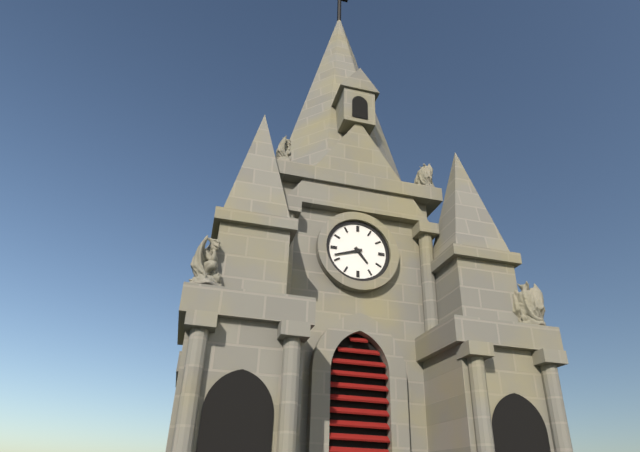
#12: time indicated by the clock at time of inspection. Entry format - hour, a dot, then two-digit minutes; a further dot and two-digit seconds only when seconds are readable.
4.42
